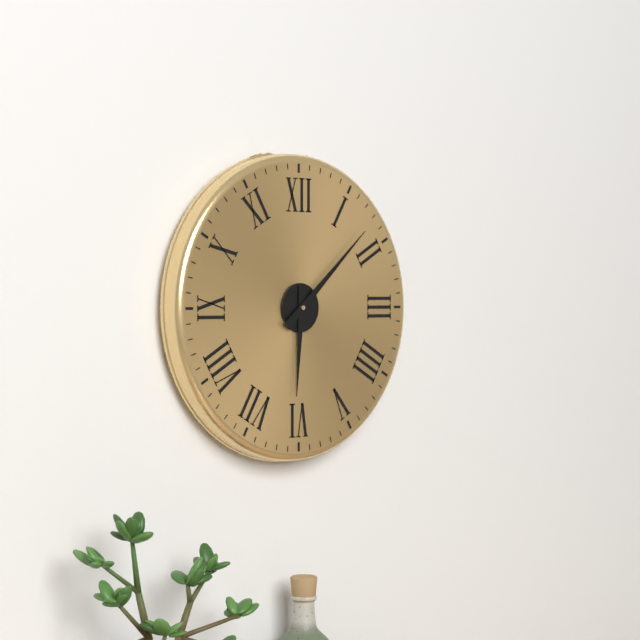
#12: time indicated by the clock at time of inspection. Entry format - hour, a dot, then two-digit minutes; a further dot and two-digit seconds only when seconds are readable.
6.08
